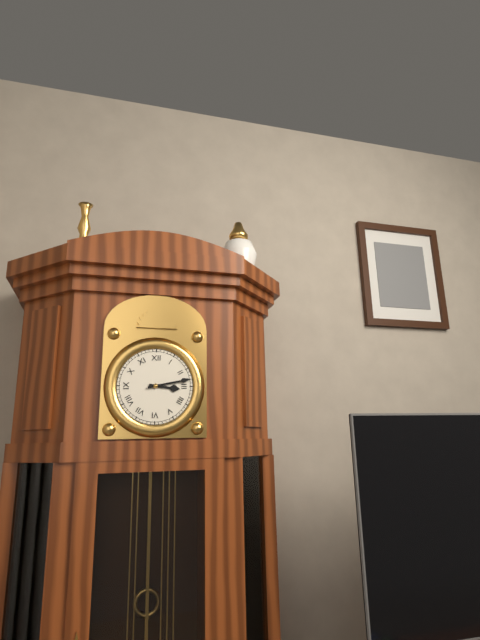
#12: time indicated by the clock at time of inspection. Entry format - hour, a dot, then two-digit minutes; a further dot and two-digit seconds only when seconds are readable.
3.13
